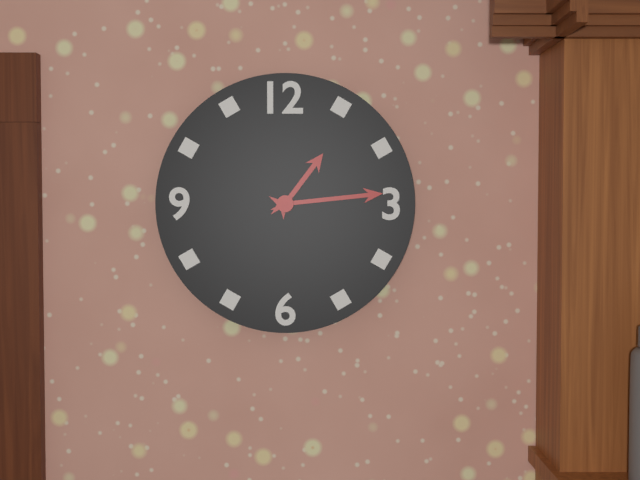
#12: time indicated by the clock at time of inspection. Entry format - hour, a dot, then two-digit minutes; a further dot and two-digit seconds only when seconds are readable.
1.14
